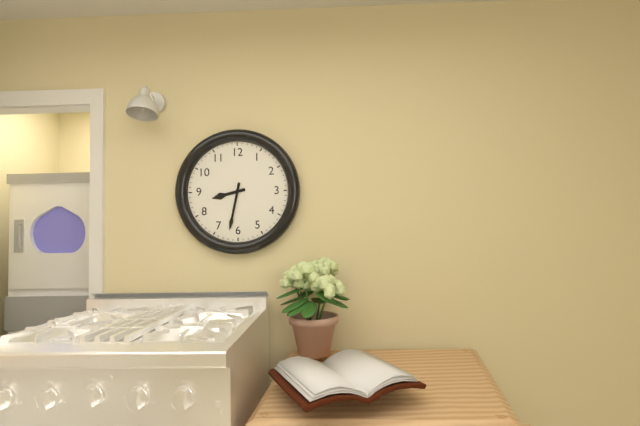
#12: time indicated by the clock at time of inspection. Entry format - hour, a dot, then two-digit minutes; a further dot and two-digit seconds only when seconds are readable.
8.32
